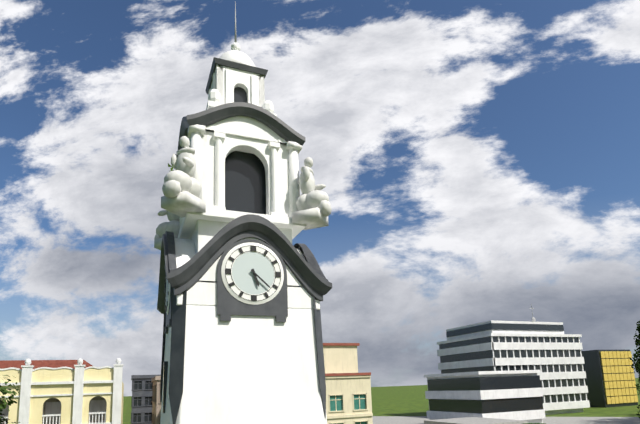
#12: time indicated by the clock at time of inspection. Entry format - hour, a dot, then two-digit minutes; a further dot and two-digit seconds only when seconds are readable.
5.22
